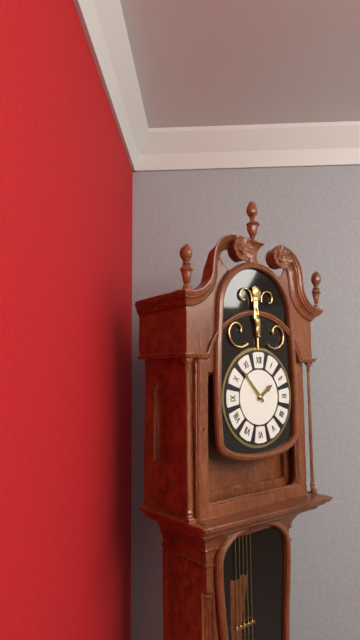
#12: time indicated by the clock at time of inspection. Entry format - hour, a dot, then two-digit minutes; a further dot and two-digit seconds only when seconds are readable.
1.53
